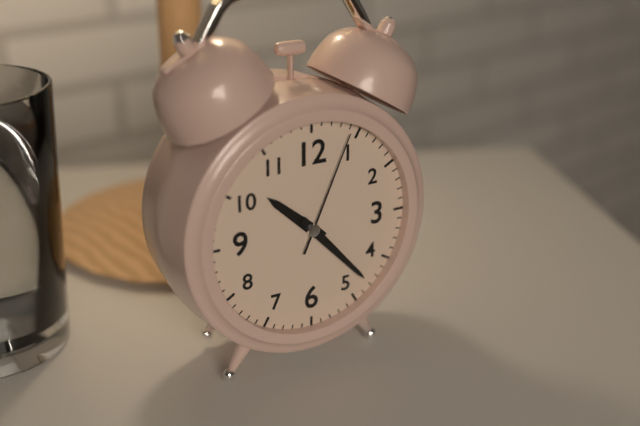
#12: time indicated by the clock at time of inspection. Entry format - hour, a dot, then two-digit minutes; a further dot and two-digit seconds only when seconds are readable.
10.23.04
